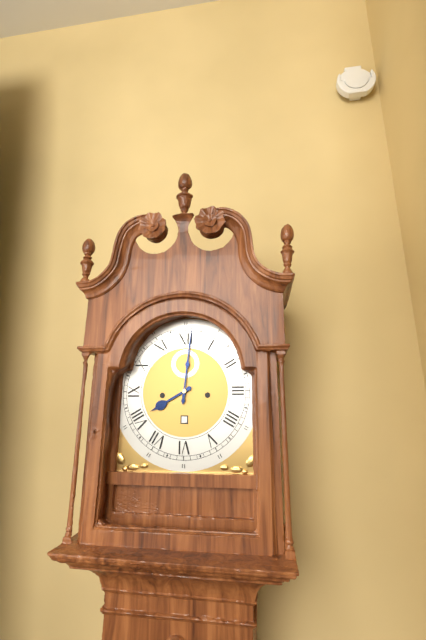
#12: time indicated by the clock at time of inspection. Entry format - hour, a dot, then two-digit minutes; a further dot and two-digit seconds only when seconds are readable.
8.01
